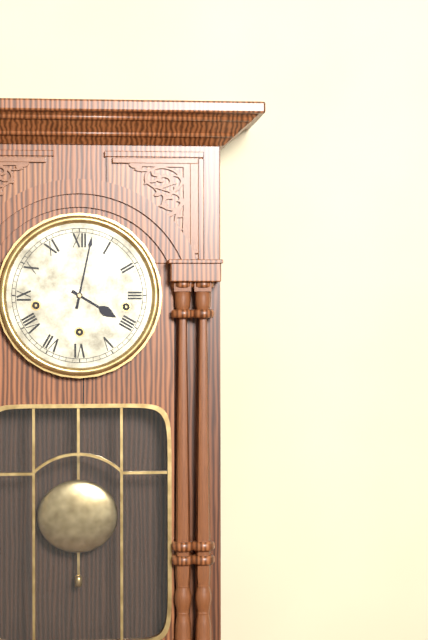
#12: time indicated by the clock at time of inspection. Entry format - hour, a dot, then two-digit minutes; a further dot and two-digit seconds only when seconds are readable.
4.02
